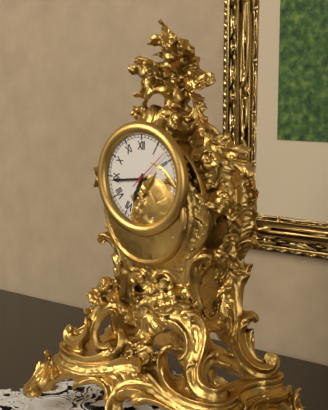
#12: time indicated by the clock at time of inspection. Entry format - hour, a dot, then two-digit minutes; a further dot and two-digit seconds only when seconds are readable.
6.44
